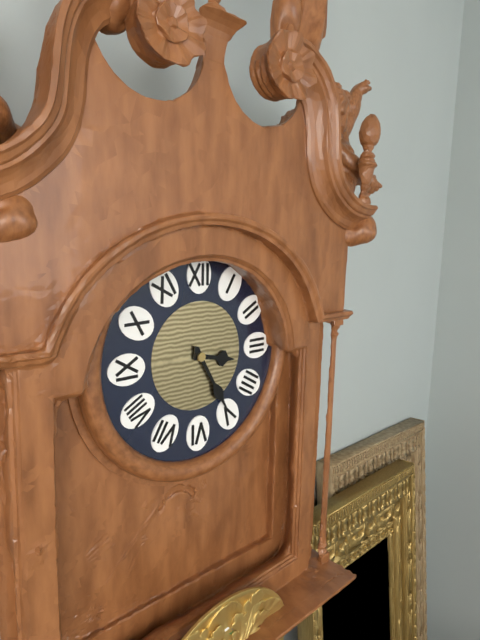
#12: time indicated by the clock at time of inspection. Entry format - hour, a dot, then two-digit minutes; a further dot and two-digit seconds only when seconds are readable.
3.25
